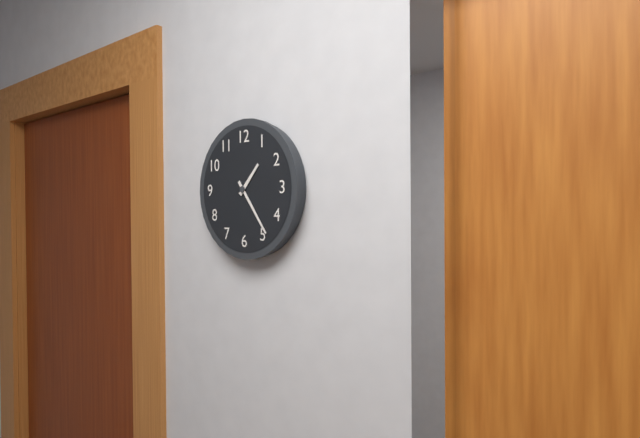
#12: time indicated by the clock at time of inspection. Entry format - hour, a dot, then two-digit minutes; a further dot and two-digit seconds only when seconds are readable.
1.24
